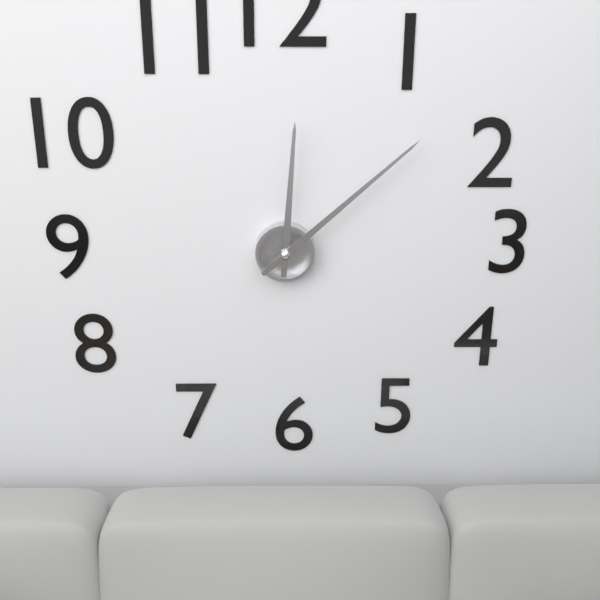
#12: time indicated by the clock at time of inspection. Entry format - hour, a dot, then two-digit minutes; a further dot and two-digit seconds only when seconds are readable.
12.08
